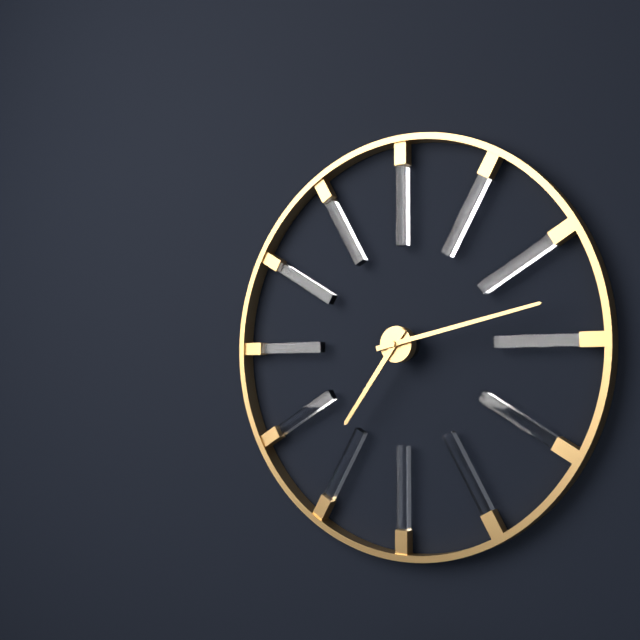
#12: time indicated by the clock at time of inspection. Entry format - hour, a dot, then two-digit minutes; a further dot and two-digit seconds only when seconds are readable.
7.13
